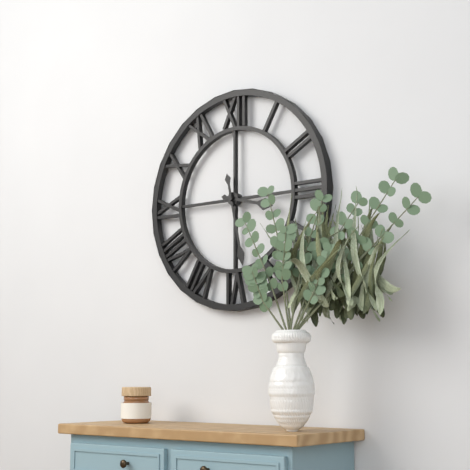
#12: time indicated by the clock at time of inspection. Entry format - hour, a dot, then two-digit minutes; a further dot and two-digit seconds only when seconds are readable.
3.28
